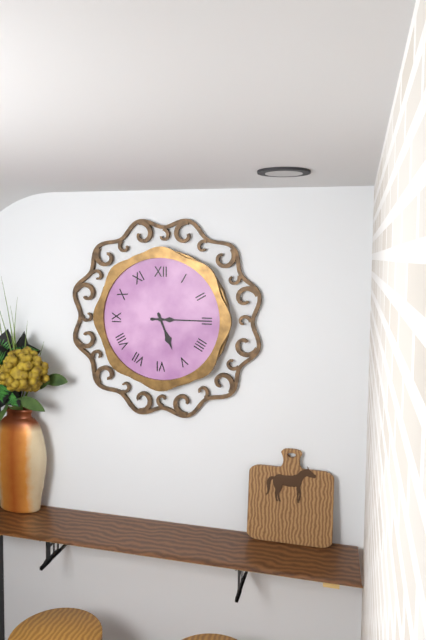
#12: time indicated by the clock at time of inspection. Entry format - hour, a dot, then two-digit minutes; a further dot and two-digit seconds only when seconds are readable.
5.15
